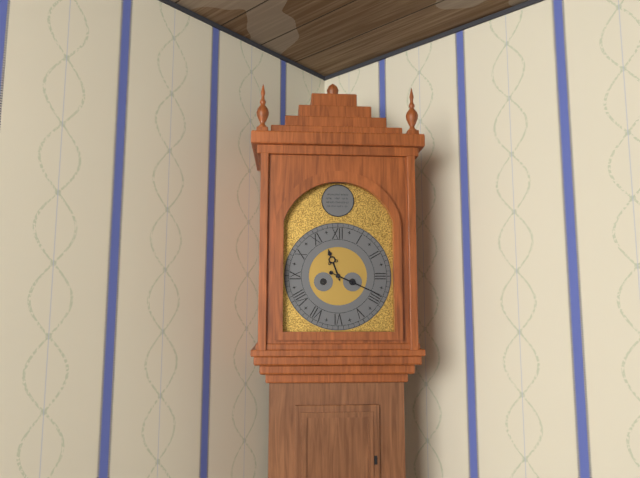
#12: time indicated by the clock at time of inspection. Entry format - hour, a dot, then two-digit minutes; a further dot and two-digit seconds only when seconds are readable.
11.19
